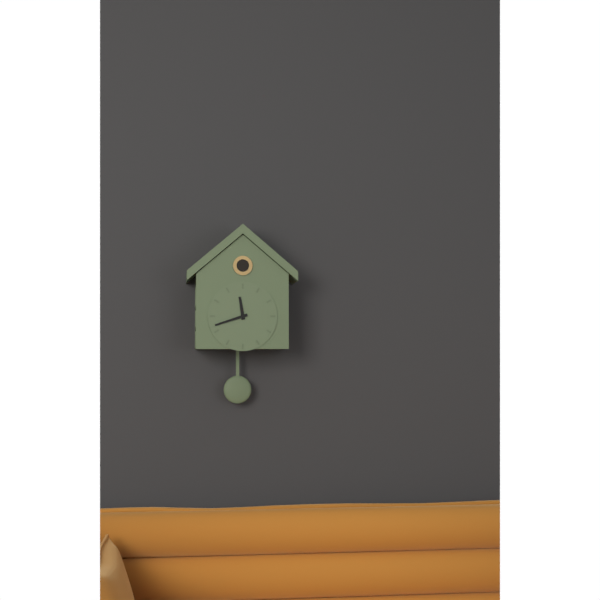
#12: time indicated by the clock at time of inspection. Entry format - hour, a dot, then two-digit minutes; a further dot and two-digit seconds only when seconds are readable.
11.42
